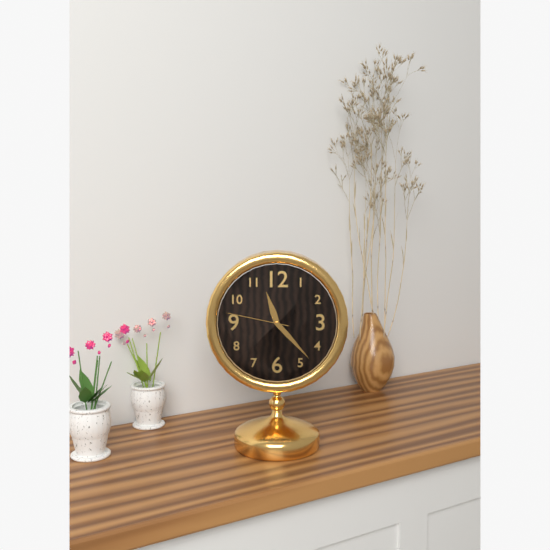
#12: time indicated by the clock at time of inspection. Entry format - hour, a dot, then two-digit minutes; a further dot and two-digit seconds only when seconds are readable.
11.23.47
